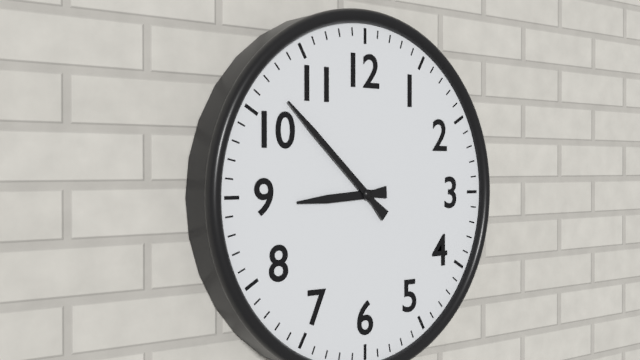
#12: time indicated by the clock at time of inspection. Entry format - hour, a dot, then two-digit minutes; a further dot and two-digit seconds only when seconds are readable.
8.52
